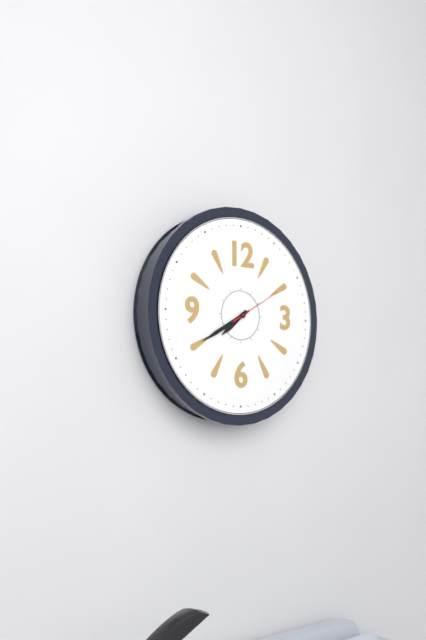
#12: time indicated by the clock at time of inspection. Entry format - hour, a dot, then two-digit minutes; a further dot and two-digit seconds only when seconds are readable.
7.40.10
